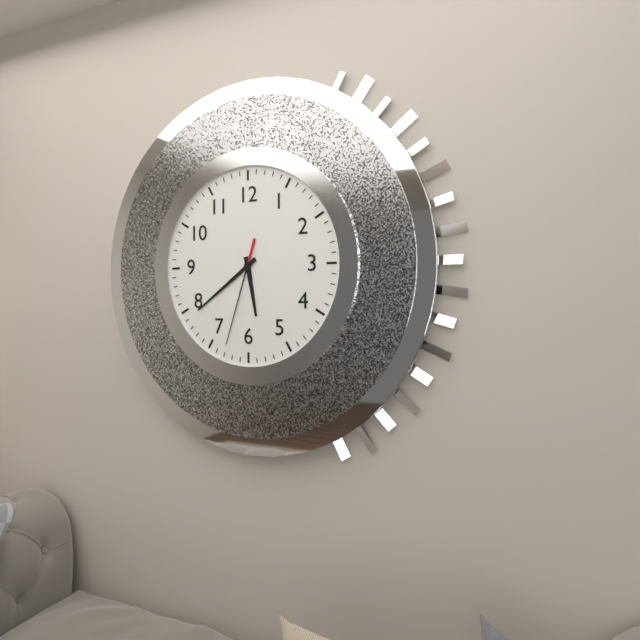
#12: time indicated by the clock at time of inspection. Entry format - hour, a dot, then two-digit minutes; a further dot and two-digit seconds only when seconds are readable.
5.39.33
